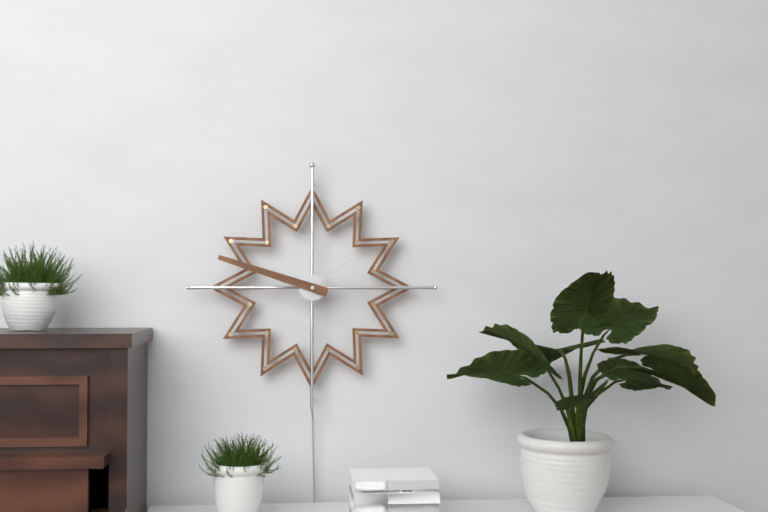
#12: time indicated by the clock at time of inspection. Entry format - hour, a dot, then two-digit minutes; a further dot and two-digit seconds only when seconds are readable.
1.48
